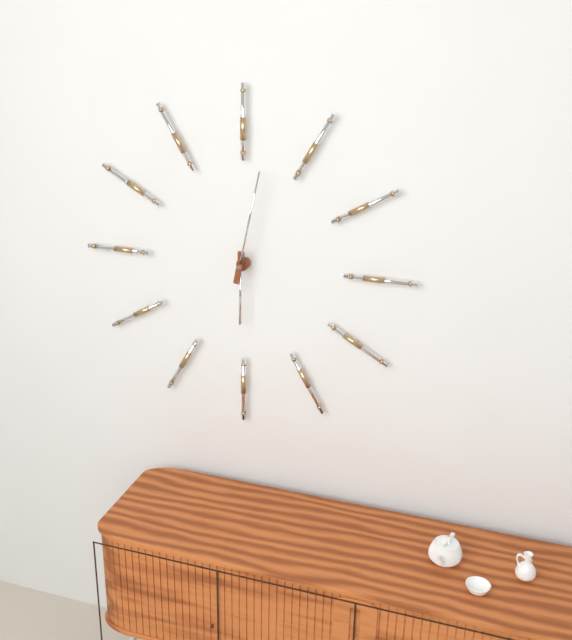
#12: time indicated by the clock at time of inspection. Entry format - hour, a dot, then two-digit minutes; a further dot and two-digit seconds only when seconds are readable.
6.02
